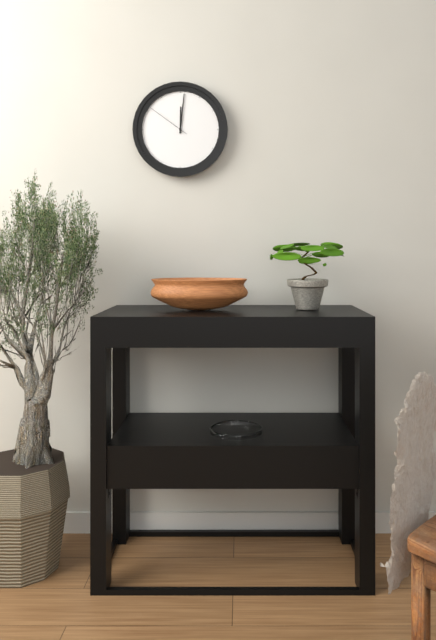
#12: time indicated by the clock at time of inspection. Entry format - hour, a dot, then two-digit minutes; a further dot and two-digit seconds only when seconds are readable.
12.01
